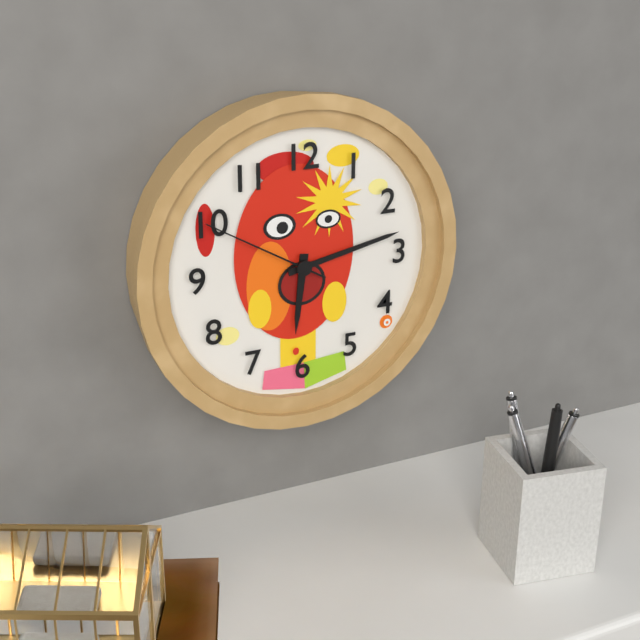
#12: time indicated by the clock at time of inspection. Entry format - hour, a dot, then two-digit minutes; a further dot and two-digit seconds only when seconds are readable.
6.13.50
